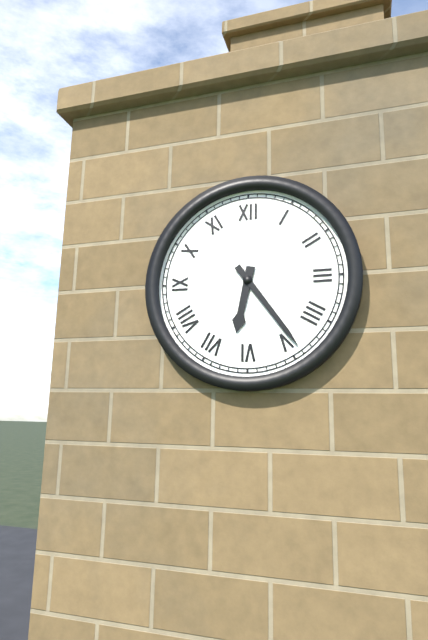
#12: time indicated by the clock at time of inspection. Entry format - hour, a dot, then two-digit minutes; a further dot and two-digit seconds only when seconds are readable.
6.24
